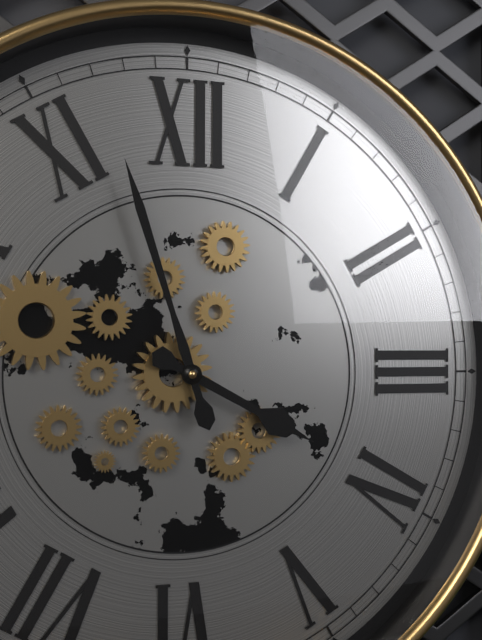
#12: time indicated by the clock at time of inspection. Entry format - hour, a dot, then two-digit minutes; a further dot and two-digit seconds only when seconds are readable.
3.57
